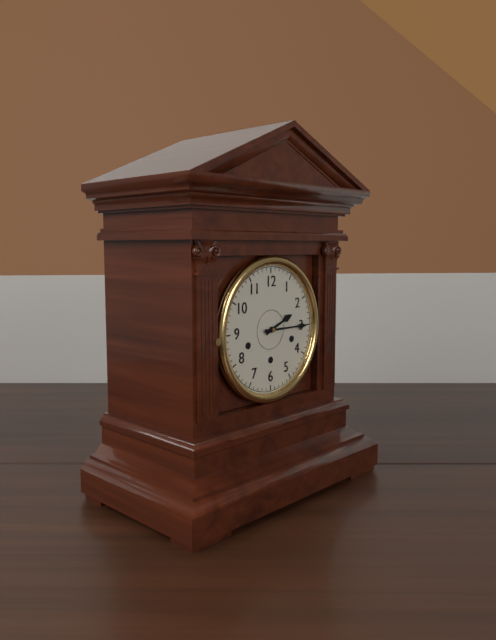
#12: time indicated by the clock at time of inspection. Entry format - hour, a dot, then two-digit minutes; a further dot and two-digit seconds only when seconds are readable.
2.15
